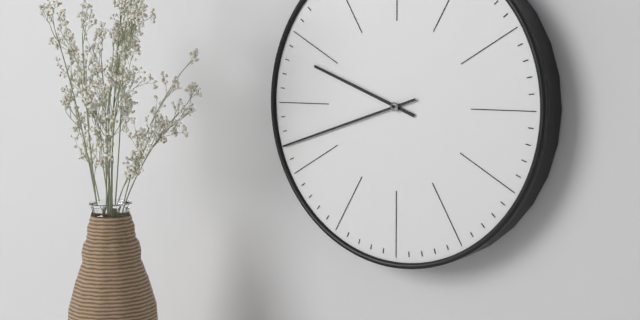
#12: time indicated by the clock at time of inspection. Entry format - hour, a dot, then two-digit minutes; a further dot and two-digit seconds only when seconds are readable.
9.42
